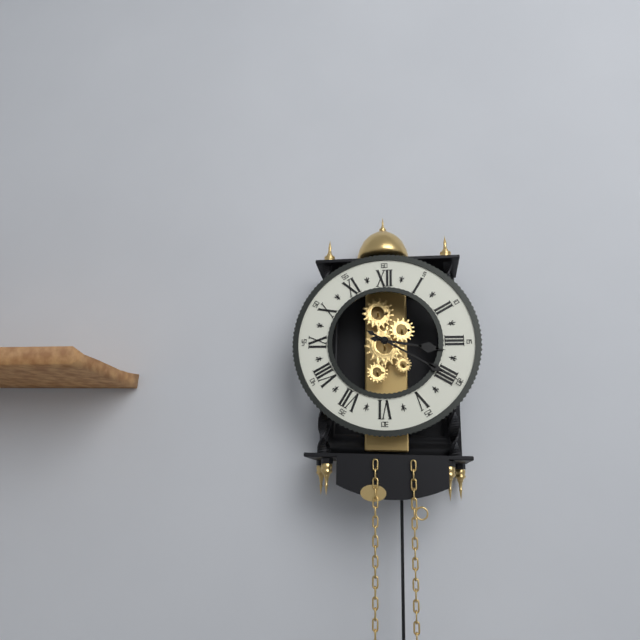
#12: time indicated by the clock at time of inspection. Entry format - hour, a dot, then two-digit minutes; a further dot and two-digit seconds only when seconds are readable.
3.20
